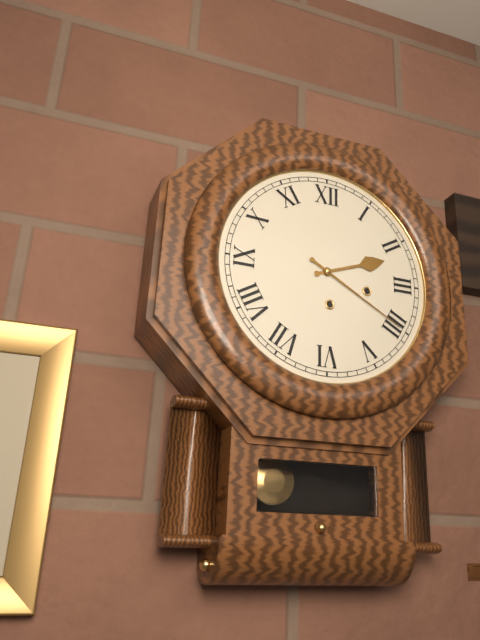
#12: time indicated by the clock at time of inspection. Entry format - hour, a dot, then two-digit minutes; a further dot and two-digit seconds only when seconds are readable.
2.20
